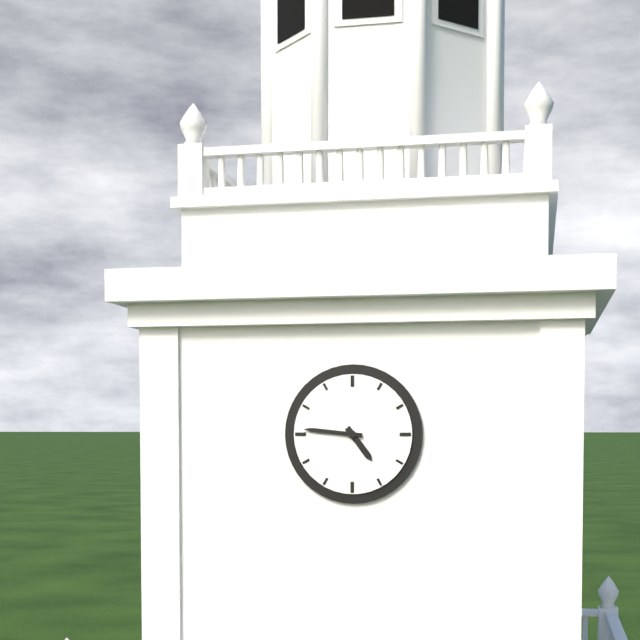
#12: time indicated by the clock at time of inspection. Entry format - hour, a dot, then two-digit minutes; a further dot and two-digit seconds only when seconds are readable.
4.46
